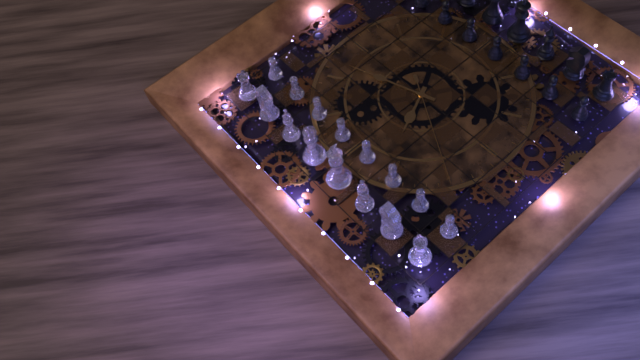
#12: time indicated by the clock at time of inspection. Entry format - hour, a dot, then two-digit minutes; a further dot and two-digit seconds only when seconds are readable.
11.12.50
